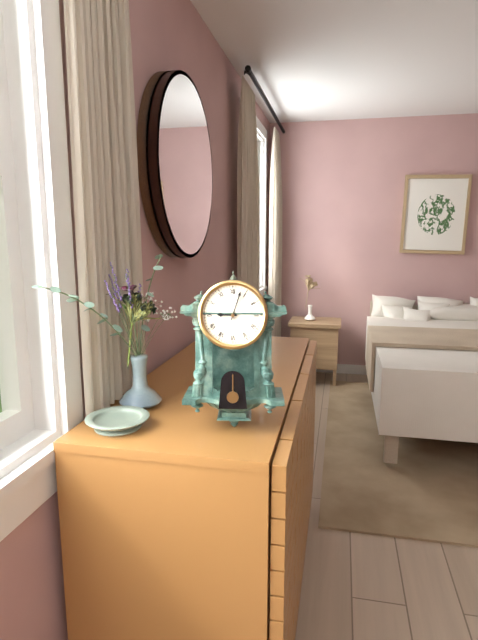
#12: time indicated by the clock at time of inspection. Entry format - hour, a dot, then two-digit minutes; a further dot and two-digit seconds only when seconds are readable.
9.03
